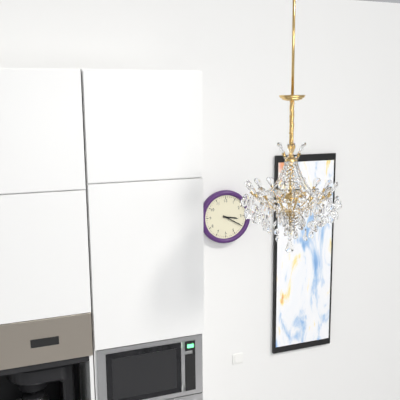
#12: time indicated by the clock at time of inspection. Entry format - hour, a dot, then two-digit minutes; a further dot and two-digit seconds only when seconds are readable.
3.20
